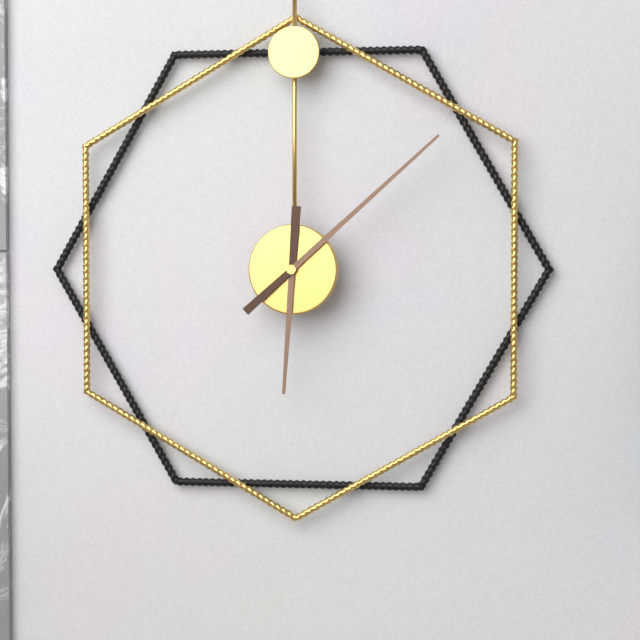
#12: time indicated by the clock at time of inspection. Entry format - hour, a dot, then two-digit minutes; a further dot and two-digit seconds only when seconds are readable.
6.08
